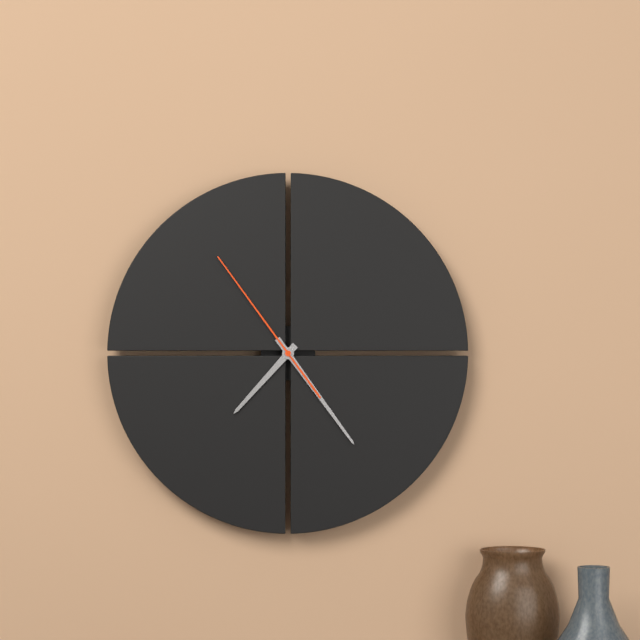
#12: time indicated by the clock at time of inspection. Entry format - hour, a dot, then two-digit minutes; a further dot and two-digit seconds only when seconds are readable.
7.24.54
